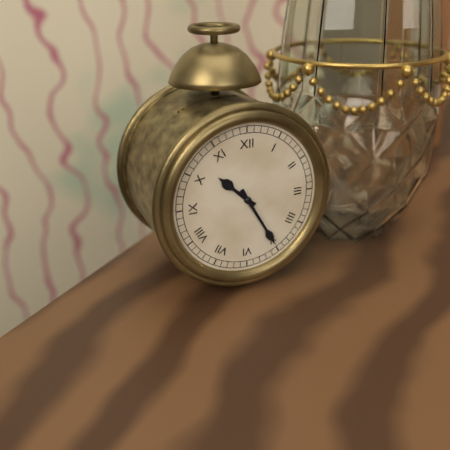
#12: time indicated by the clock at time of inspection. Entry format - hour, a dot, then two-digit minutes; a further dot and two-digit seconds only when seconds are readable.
10.25
